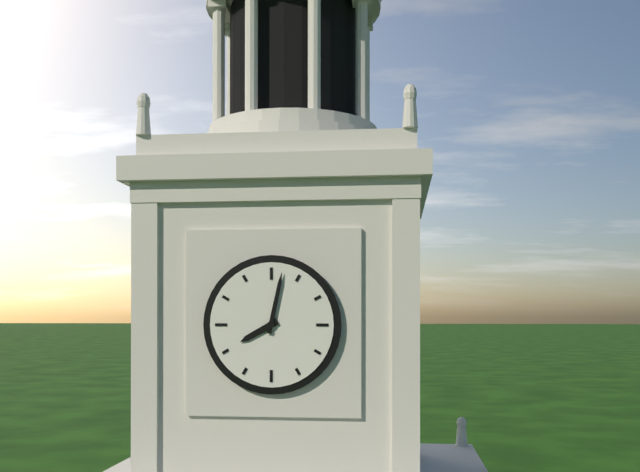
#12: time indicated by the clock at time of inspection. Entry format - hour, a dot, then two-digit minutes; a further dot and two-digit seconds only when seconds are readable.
8.02
